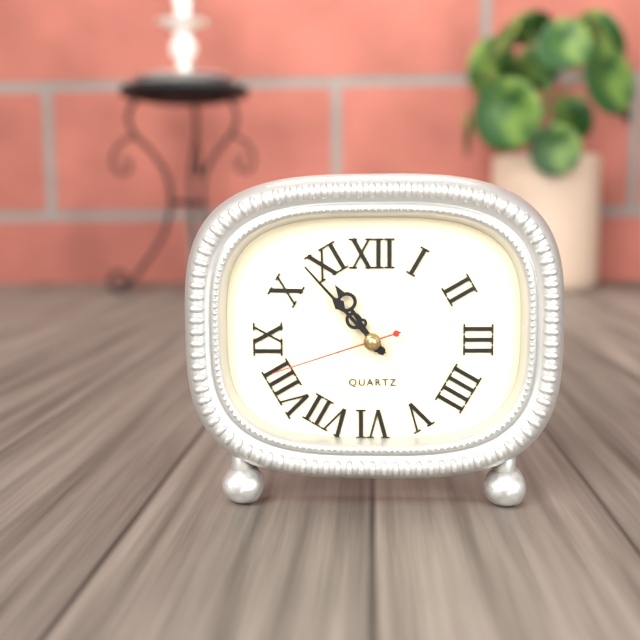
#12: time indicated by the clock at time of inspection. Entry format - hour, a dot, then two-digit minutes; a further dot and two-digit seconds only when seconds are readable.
10.53.42
